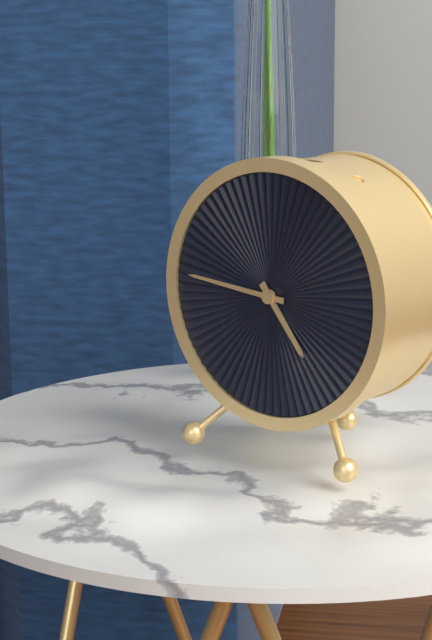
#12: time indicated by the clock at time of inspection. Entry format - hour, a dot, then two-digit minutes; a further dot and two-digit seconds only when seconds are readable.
4.46
